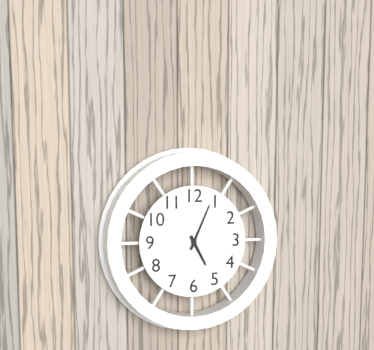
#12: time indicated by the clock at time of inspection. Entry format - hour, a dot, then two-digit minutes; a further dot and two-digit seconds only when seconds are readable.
5.04
